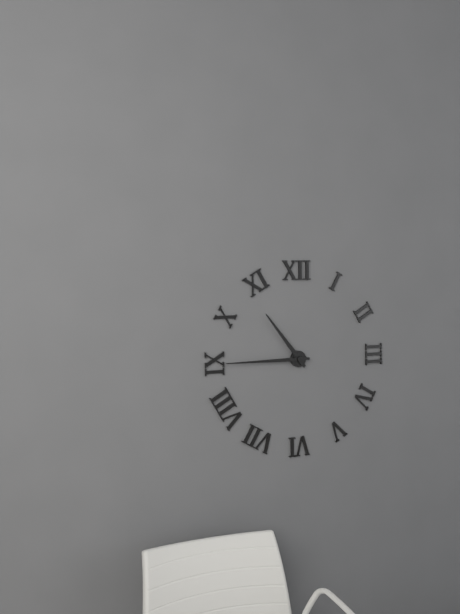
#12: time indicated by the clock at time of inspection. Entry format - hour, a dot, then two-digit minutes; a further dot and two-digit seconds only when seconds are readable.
10.45
